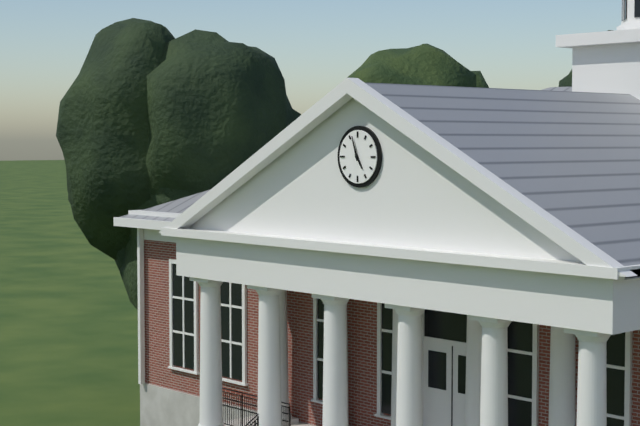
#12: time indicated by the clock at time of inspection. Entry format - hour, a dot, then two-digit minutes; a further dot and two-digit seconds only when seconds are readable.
4.57
